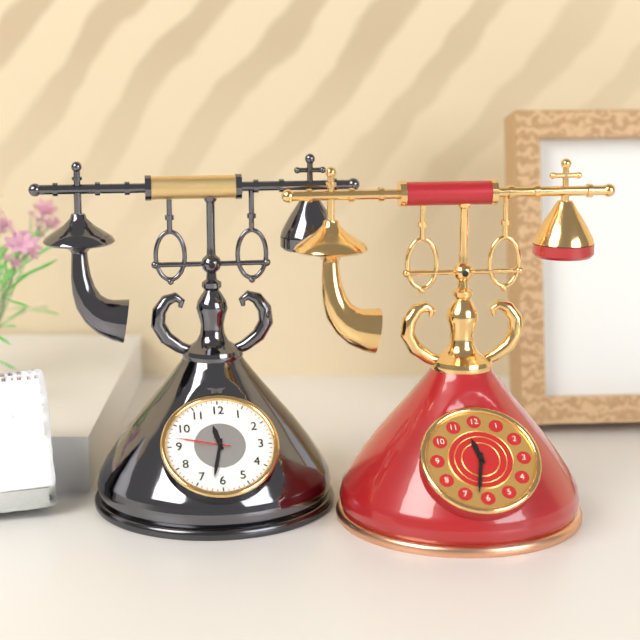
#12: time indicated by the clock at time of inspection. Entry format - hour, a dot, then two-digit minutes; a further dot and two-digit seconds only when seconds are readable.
11.32.47
